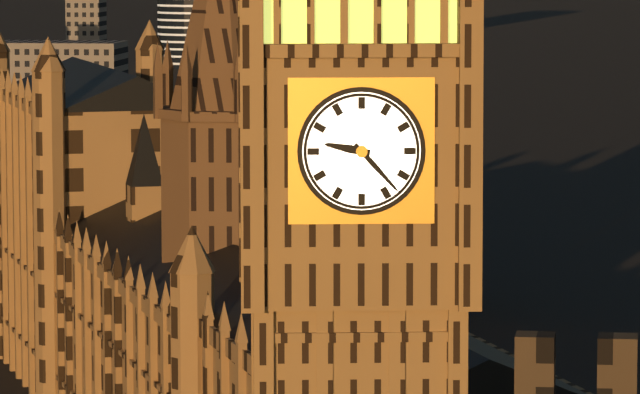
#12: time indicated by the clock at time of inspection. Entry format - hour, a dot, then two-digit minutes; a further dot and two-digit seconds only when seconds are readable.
9.23
